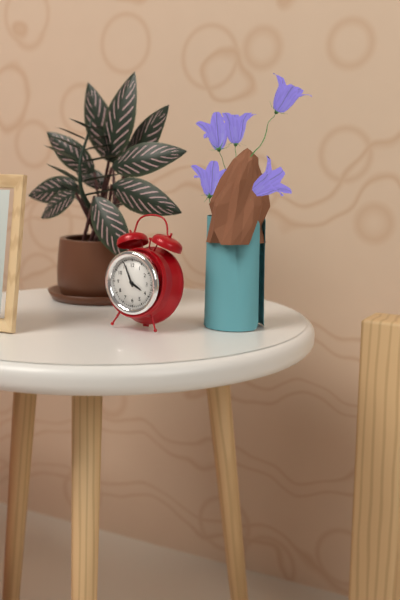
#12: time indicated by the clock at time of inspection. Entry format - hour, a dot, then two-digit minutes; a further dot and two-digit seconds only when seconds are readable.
3.56
